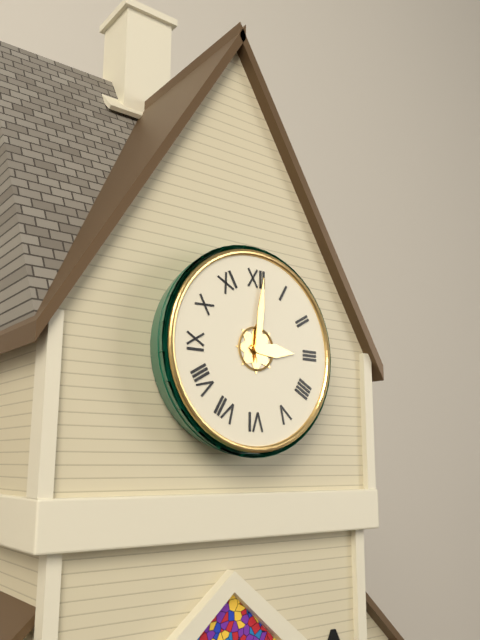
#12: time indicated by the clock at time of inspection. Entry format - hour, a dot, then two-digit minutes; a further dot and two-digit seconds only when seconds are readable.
3.01
